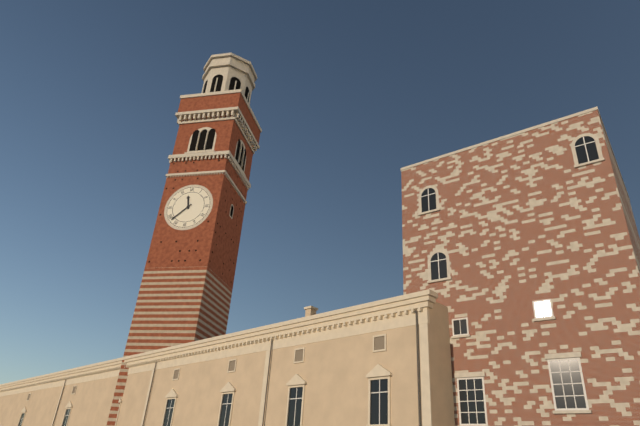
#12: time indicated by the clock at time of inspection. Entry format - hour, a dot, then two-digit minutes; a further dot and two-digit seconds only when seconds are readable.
11.38
